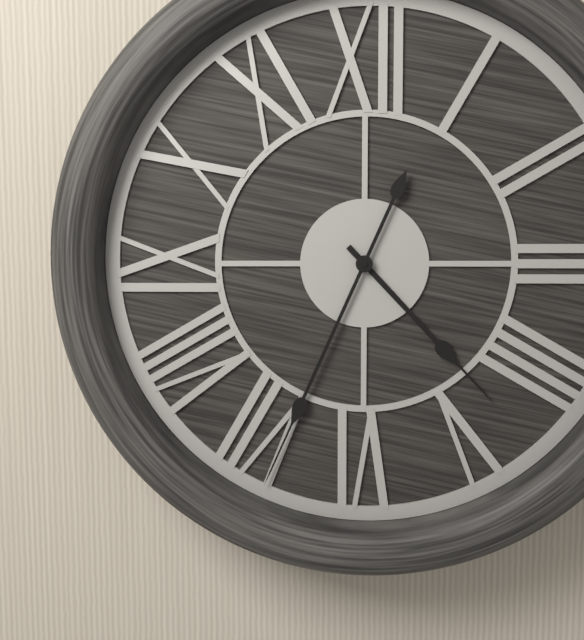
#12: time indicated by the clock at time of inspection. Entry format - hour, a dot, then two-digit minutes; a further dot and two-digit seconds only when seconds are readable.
4.34
